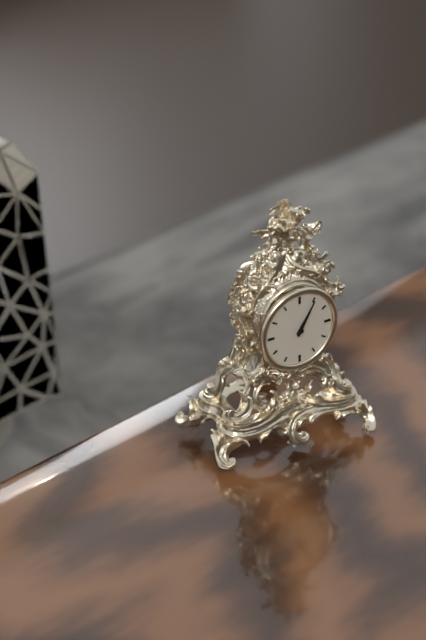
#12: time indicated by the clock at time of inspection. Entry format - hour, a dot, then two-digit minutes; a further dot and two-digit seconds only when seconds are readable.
1.05
